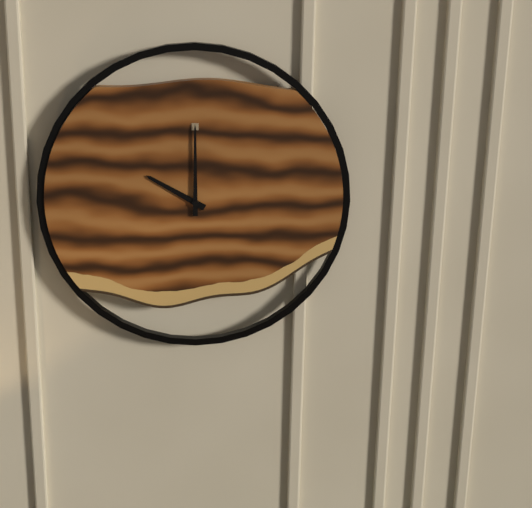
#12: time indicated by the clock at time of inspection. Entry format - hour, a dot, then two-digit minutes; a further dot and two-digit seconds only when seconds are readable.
10.00
